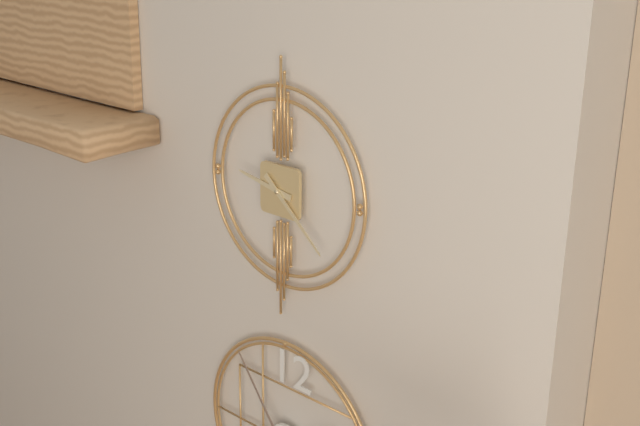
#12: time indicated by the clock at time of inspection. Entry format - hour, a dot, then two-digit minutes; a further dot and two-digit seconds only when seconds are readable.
9.22
